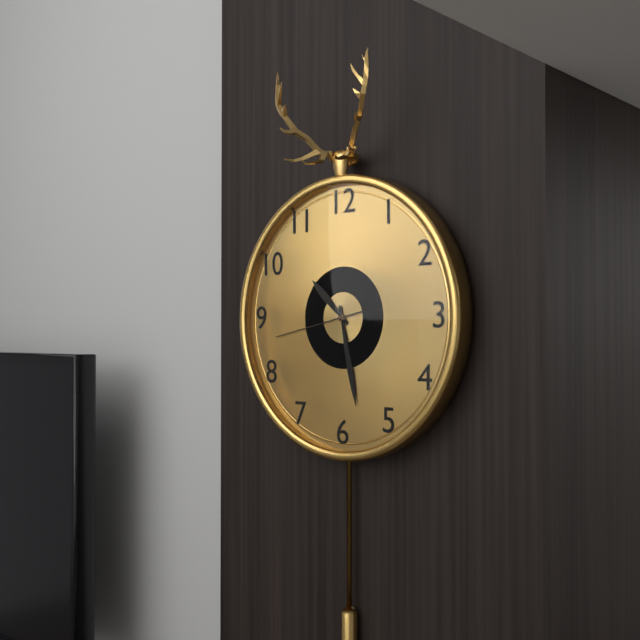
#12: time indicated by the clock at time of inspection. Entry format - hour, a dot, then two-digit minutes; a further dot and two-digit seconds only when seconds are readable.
10.28.43
